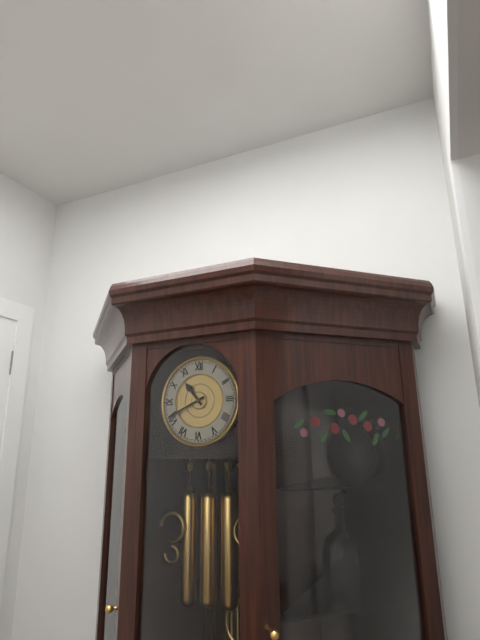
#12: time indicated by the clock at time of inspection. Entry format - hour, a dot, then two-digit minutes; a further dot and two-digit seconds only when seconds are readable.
10.41
